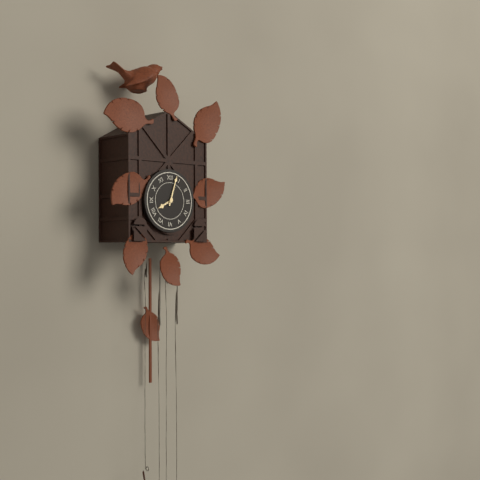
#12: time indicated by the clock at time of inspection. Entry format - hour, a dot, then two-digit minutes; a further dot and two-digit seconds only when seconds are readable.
8.03
